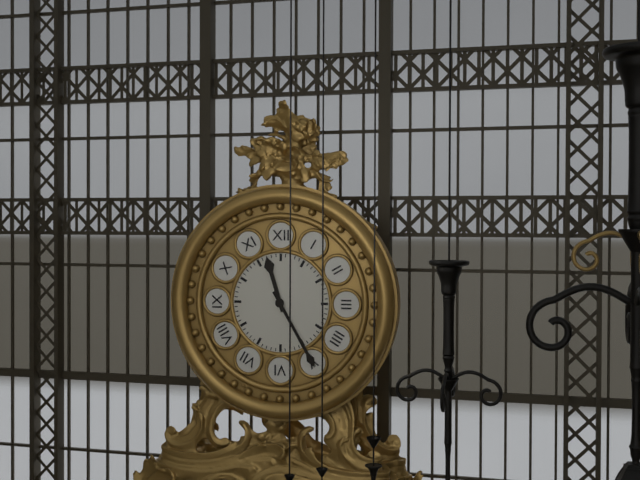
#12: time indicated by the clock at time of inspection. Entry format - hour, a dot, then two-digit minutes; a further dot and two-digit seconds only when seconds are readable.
11.25
